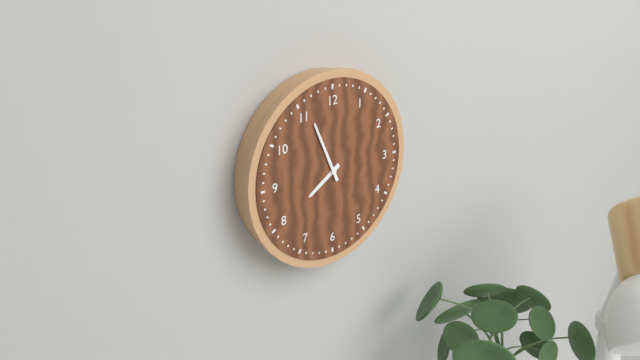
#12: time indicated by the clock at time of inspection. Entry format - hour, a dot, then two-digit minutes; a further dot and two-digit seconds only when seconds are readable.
7.56
